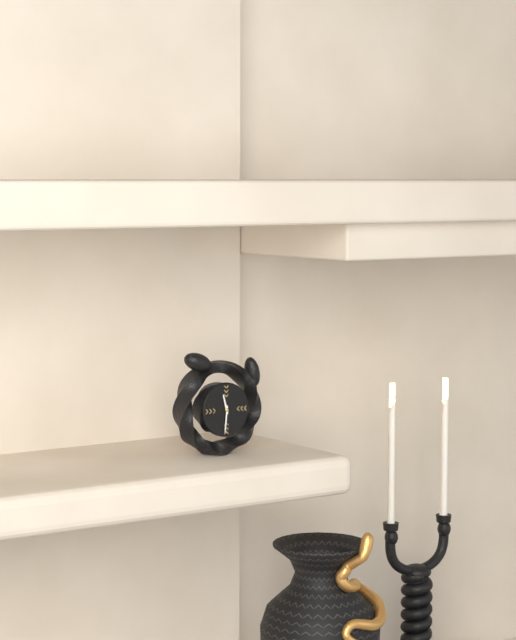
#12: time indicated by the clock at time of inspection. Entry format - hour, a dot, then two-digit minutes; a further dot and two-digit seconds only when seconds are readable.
11.31
